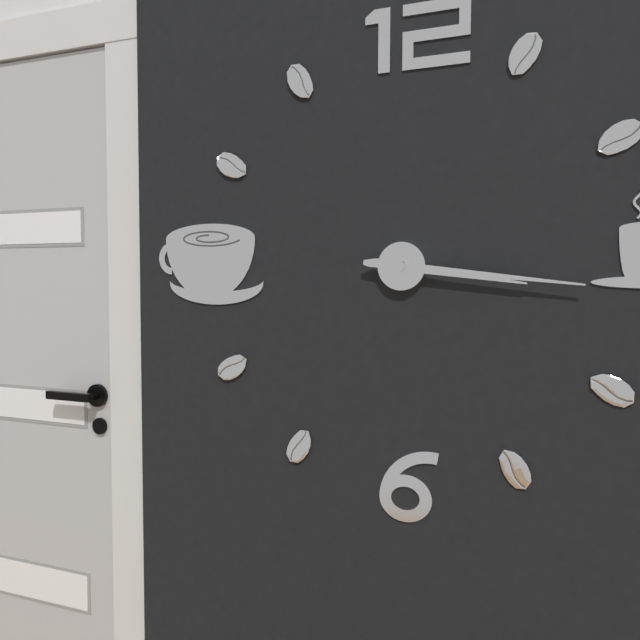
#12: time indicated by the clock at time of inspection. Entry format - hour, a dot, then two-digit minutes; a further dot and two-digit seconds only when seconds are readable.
3.16
